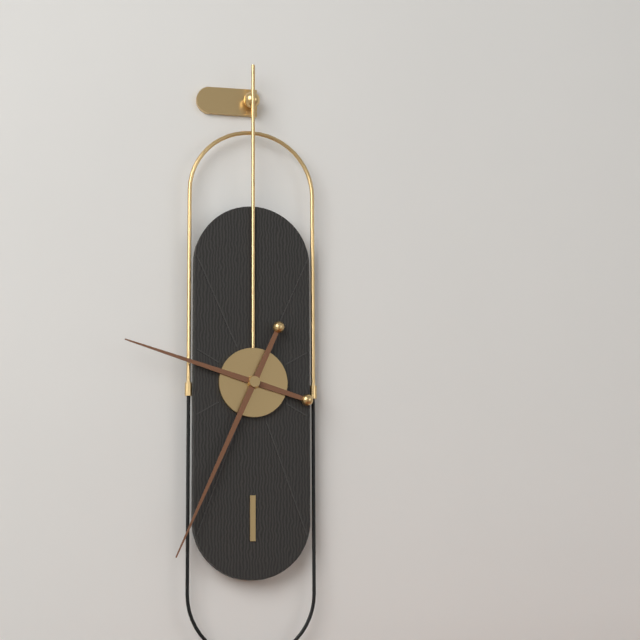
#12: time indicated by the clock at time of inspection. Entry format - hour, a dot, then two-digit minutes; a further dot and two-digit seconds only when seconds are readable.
9.34
